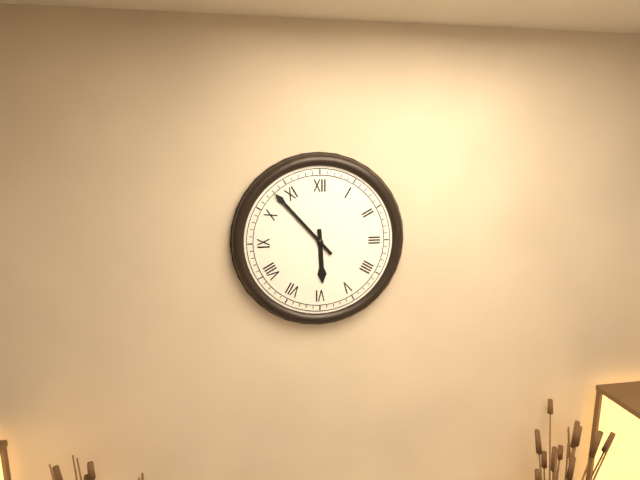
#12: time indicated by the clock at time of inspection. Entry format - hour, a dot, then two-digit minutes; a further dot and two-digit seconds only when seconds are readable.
5.53
